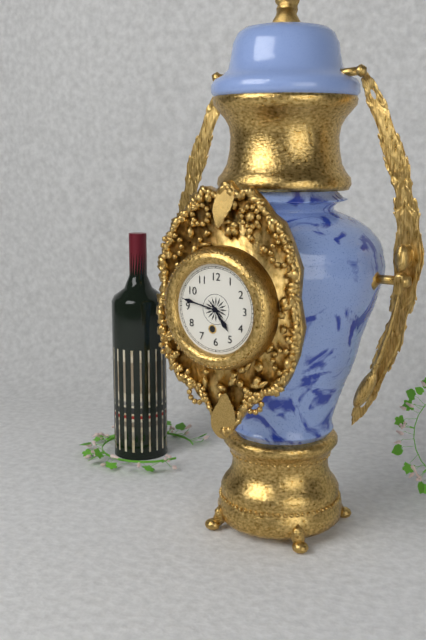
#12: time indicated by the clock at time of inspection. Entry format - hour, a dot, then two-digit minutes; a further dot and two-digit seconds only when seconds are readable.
4.47
